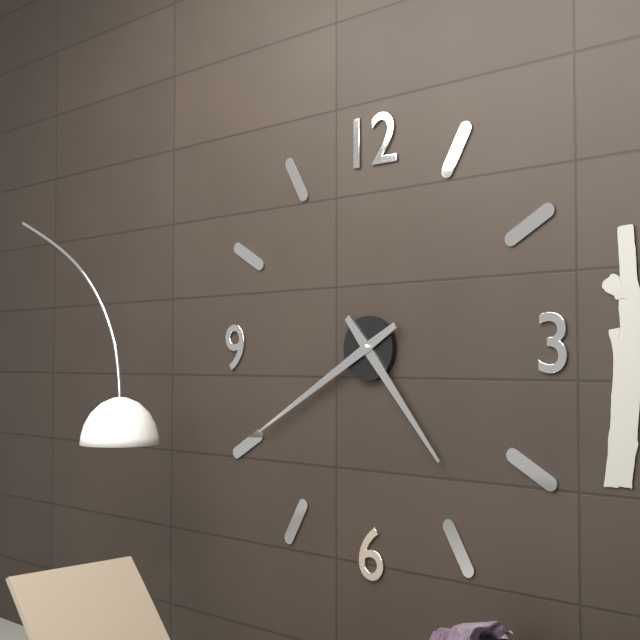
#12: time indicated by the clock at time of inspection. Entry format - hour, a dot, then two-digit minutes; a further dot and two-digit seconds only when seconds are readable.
4.40
